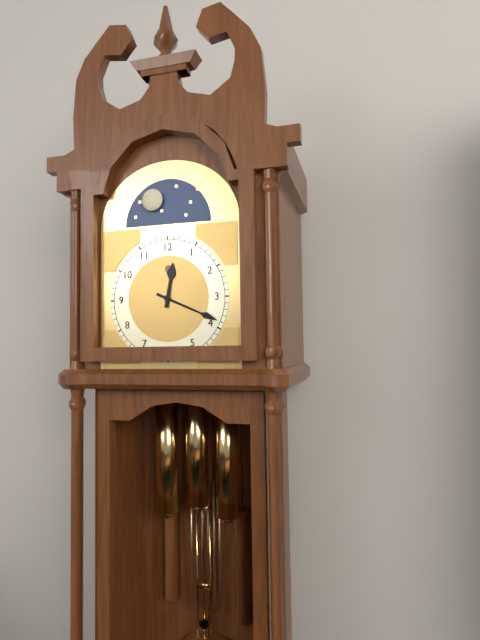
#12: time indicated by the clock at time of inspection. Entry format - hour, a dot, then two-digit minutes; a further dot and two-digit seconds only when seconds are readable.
12.19
